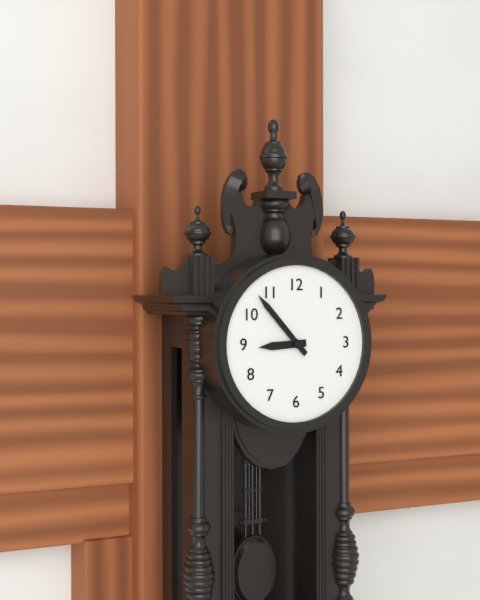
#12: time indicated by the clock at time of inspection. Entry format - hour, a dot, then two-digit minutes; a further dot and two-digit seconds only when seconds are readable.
8.53
